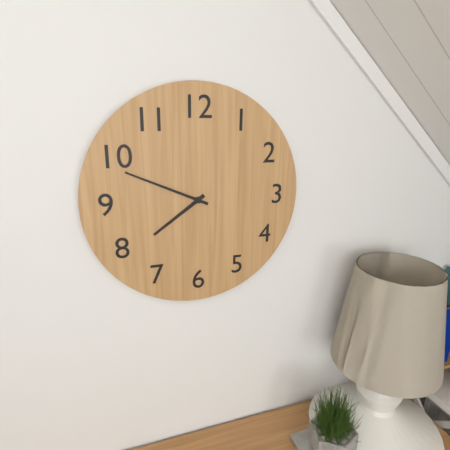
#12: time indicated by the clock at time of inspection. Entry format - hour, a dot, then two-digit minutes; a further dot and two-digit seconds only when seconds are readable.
7.49
